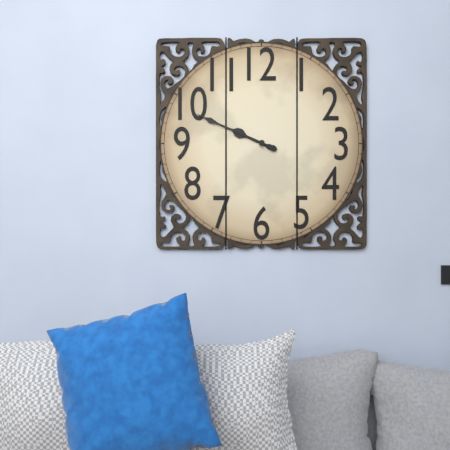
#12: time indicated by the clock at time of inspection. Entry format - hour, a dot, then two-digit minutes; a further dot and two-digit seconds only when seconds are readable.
9.49
